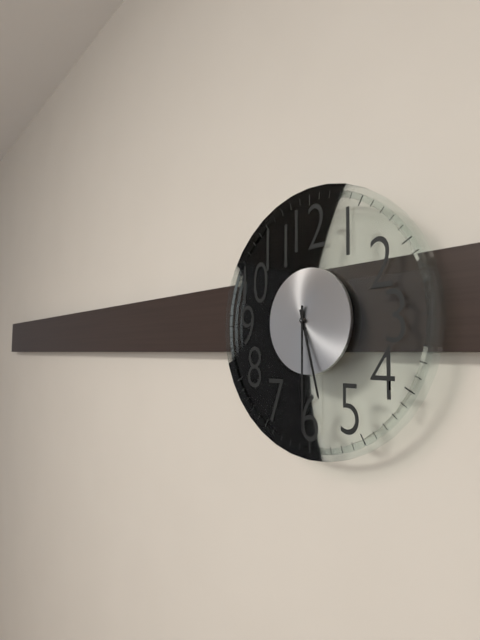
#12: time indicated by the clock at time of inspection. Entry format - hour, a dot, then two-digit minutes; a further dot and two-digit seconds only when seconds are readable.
5.30
